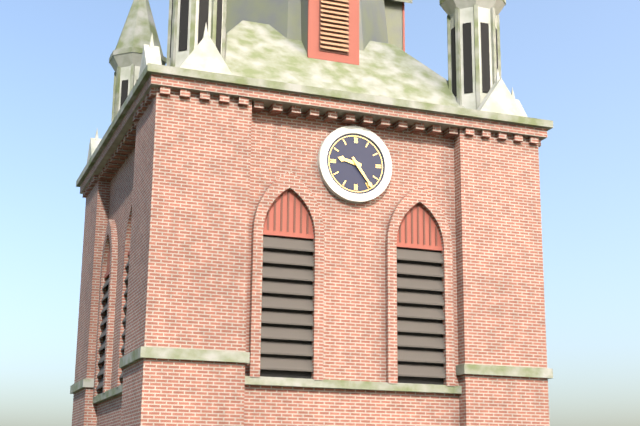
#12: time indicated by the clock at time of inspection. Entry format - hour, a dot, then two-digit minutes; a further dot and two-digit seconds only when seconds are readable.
9.24
